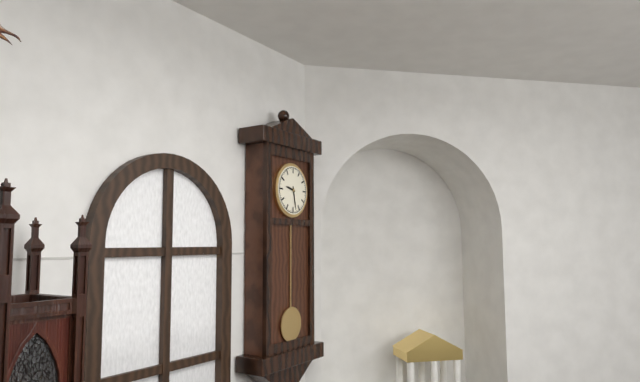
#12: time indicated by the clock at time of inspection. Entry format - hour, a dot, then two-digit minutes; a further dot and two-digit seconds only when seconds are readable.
9.28
